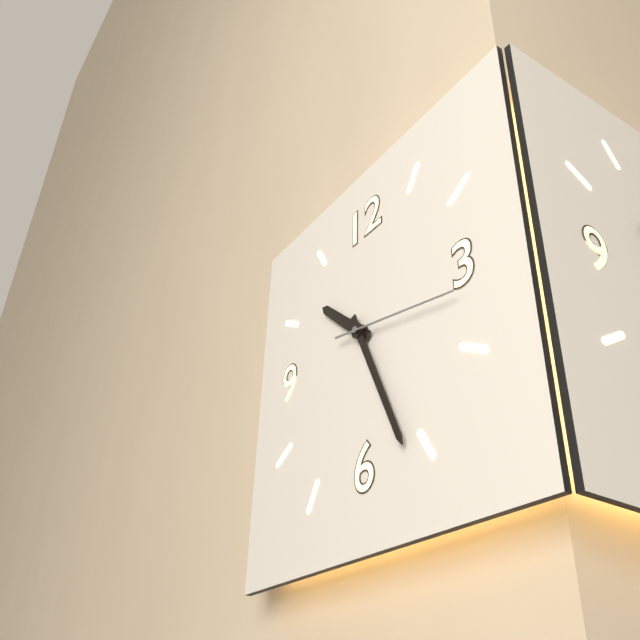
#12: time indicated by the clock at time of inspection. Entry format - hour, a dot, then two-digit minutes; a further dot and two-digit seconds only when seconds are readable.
10.26.17
